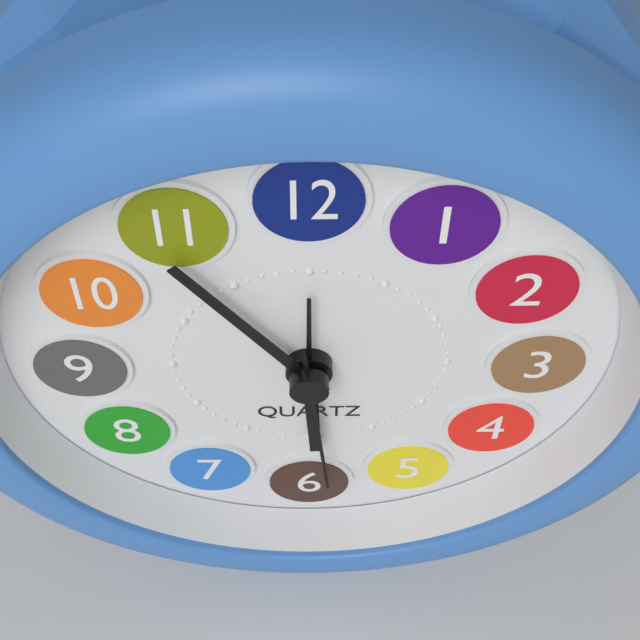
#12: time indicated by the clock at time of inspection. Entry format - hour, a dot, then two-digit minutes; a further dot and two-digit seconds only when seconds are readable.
5.54.29
